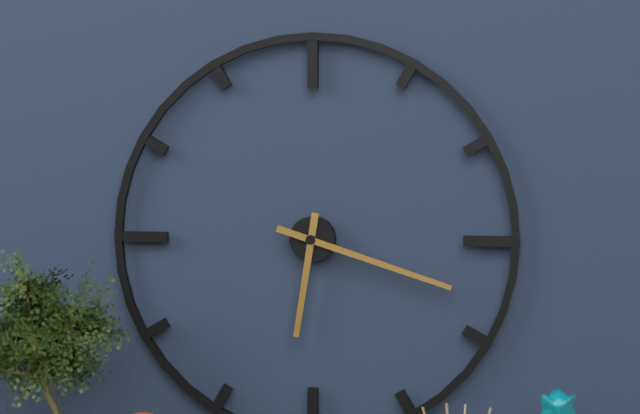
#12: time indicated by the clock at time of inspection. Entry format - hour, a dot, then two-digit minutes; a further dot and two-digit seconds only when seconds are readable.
6.18
